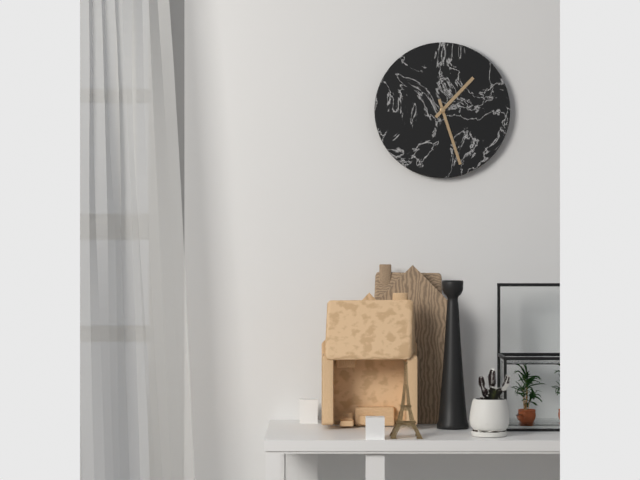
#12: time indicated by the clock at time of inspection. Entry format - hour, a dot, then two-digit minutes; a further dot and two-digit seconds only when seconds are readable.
1.27
